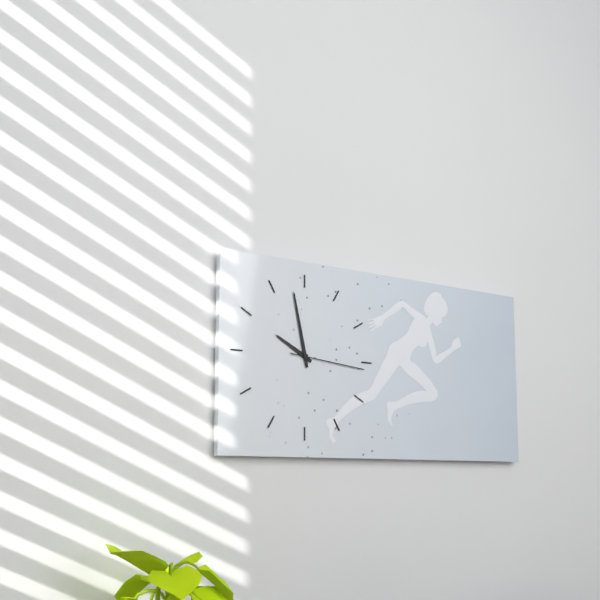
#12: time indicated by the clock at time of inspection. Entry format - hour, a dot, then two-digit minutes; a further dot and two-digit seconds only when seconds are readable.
9.58.16
